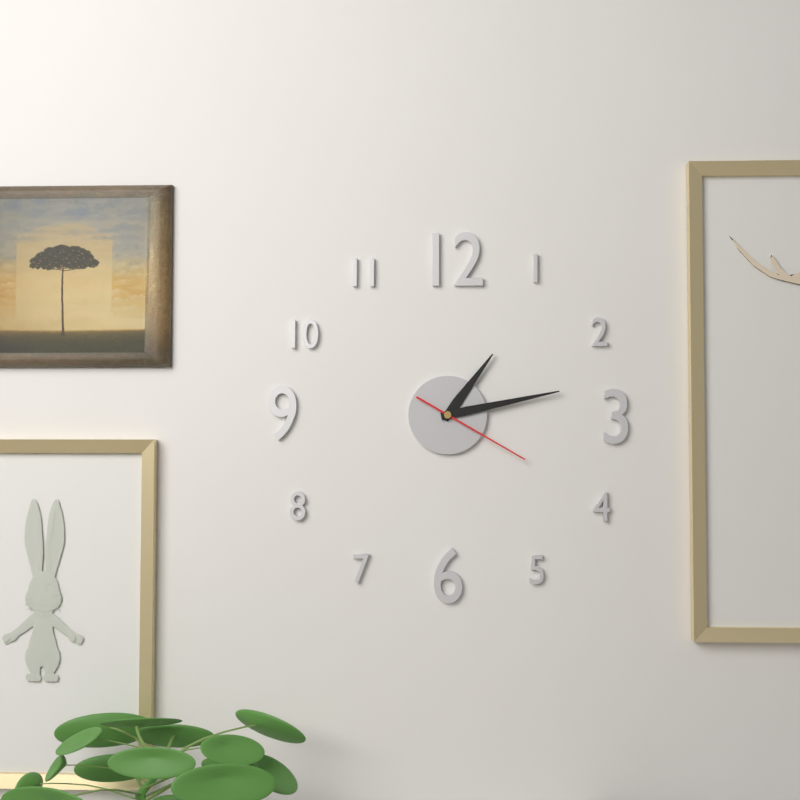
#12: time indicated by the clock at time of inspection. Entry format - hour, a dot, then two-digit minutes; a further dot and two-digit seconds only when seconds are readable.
1.13.20
